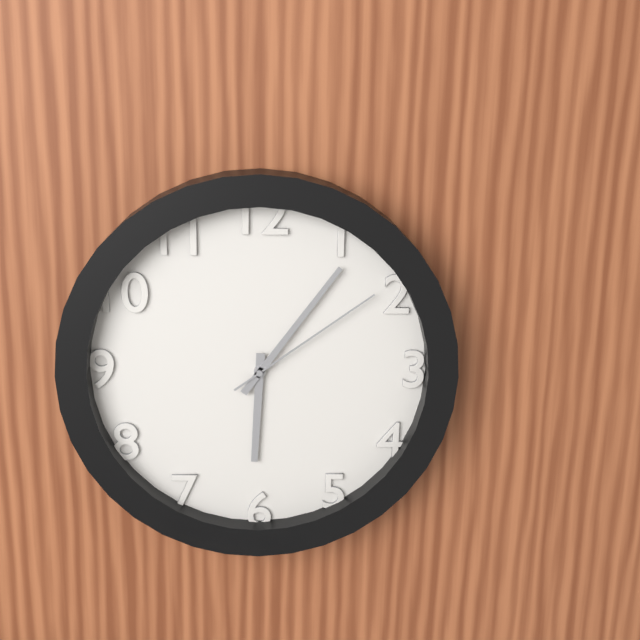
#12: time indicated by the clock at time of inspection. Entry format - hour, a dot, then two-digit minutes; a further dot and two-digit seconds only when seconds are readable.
6.06.09
